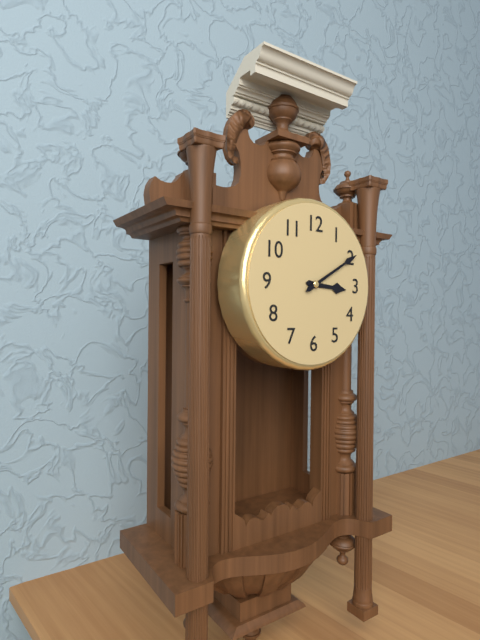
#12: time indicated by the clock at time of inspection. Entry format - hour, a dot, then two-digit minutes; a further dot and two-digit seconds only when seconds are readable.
3.10
